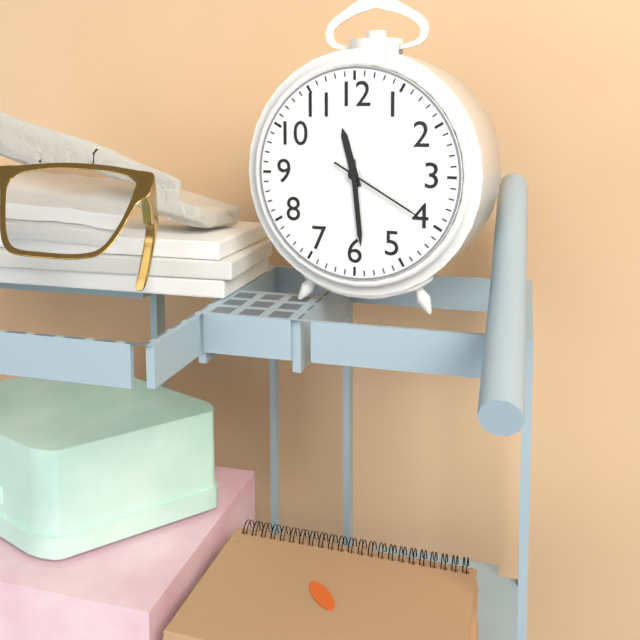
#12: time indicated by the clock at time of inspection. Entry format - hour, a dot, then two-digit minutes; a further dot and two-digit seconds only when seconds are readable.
11.29.20
